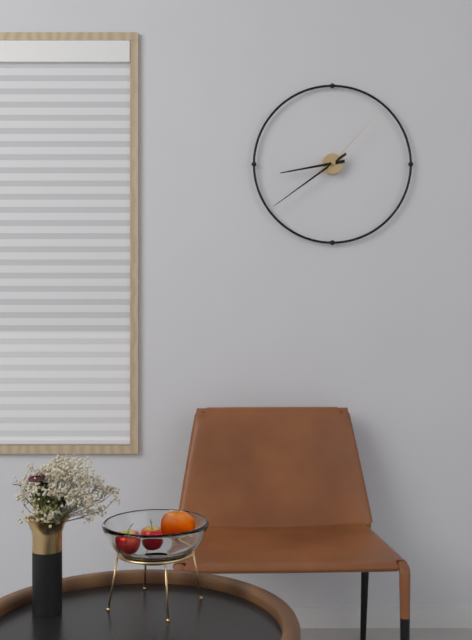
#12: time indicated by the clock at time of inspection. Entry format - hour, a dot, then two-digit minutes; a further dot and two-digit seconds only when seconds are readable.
8.39.07
